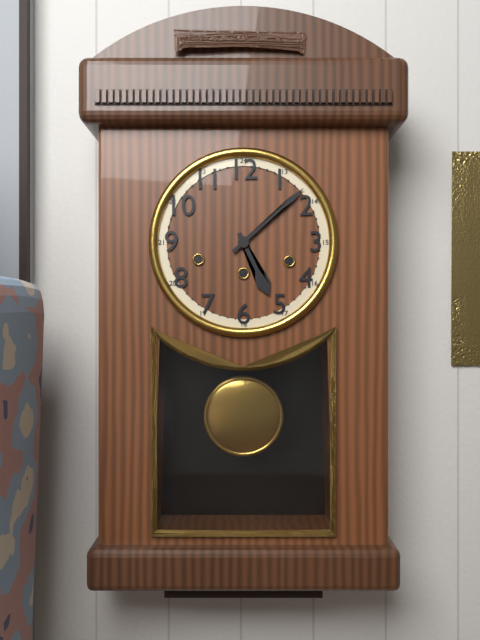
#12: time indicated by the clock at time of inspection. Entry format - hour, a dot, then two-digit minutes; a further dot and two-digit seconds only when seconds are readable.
5.08
